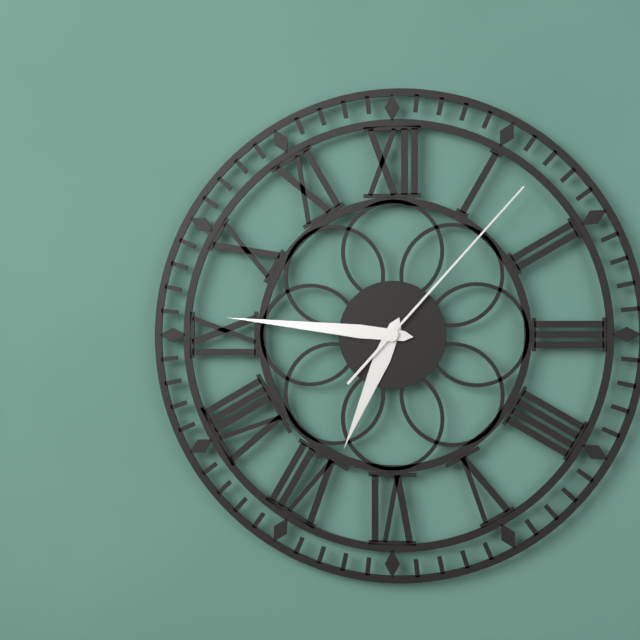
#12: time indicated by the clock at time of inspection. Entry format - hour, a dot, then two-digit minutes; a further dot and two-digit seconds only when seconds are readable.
6.46.07
